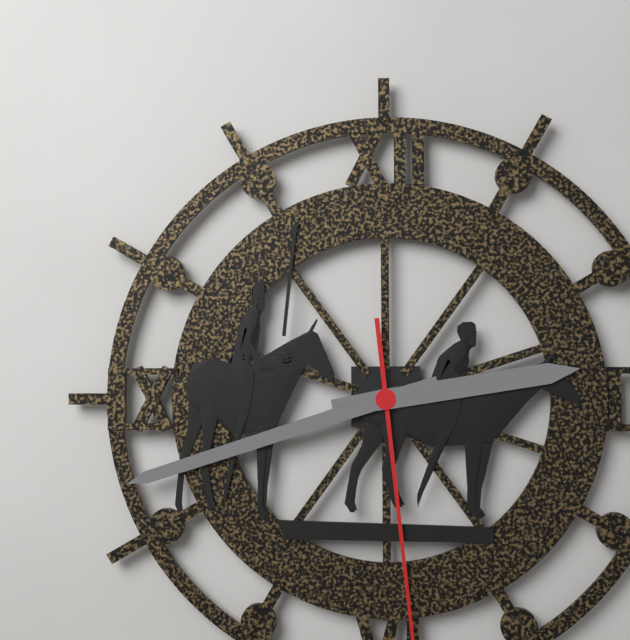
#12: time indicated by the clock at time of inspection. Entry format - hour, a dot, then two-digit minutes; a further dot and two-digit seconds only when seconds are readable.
2.42
